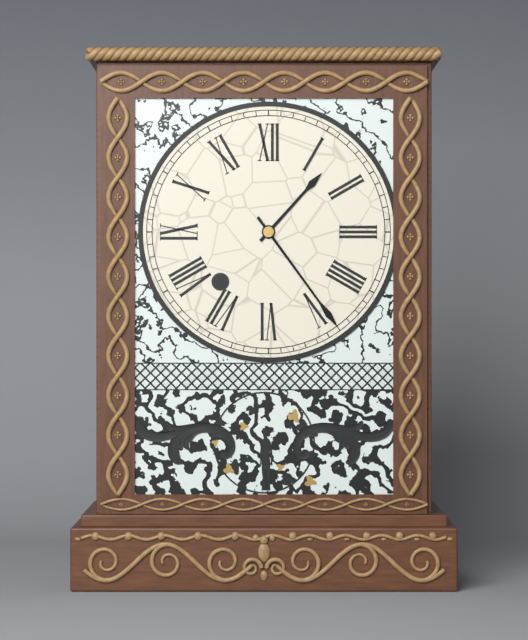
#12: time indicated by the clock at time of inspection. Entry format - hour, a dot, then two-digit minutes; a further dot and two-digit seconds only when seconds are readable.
1.24
